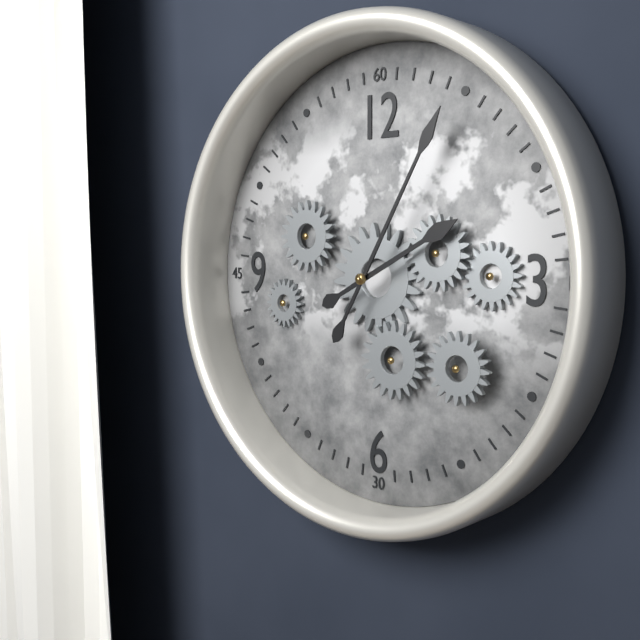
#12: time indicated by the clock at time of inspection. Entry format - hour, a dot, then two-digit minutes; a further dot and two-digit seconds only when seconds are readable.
2.05
